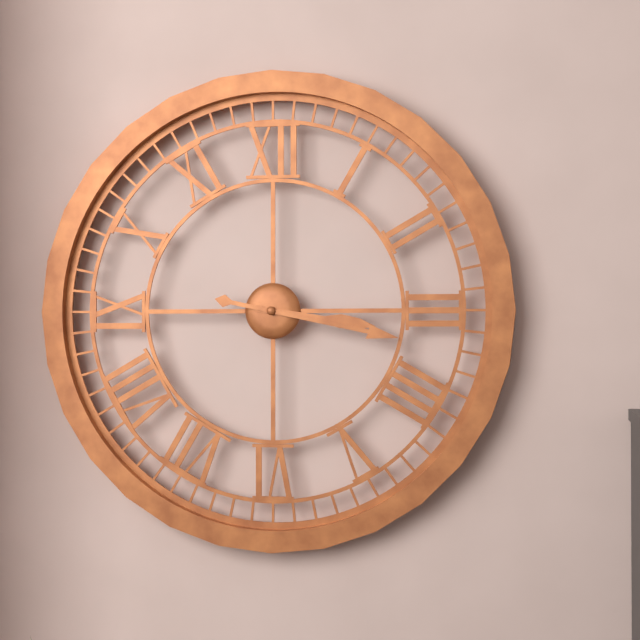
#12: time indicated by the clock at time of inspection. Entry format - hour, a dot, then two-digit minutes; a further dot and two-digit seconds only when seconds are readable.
3.17
